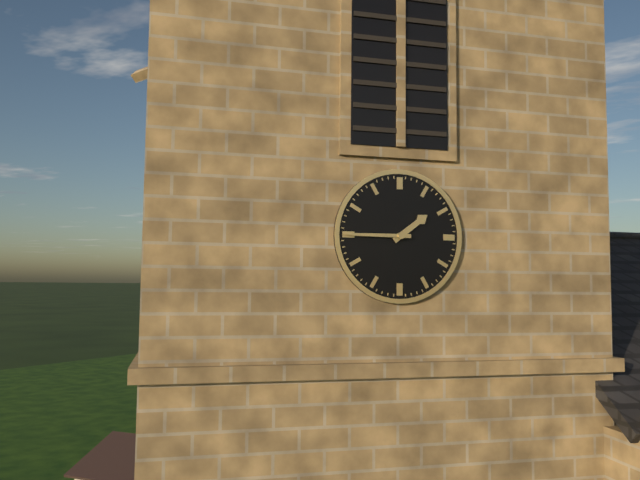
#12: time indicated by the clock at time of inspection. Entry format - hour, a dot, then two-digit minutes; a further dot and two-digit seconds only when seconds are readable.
1.45
